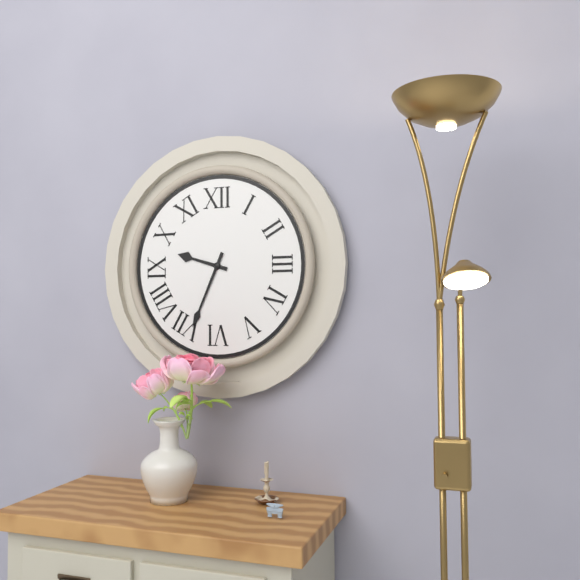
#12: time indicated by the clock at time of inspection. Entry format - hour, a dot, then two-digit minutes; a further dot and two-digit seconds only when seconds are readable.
9.34
